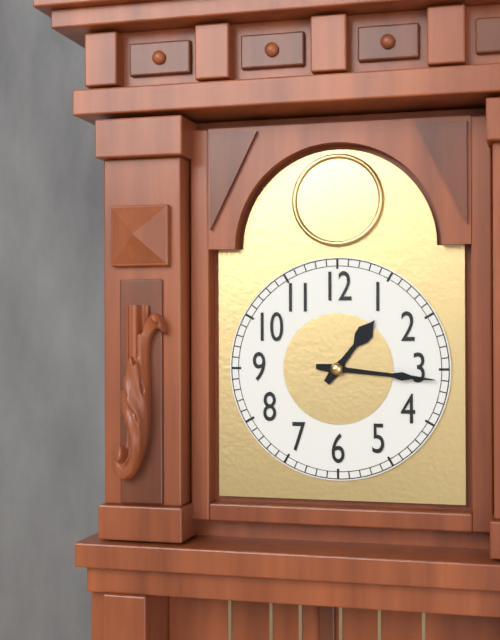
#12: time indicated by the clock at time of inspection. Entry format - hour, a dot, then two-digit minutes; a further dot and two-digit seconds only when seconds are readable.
1.16
